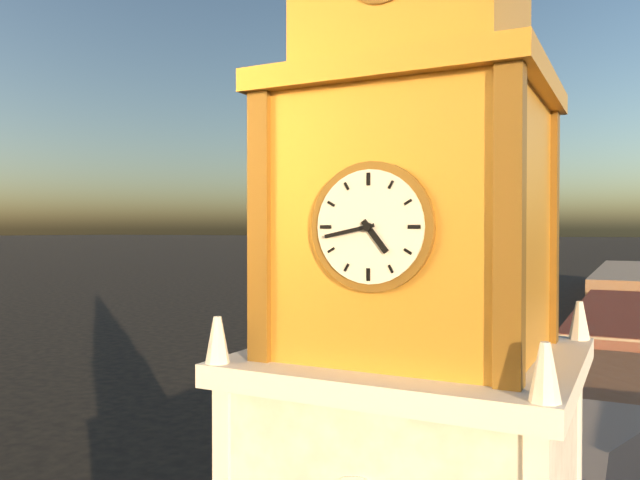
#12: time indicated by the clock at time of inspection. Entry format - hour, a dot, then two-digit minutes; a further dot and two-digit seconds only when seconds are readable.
4.43
